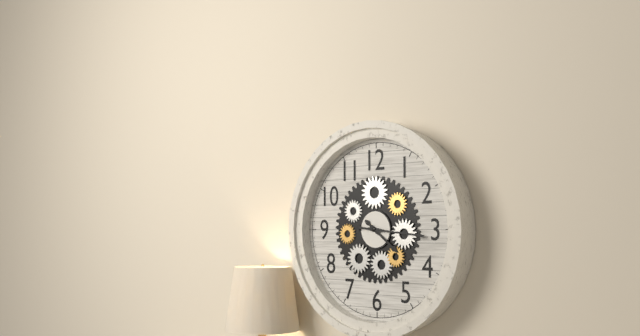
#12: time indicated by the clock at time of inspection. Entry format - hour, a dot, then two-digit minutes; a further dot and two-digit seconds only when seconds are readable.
4.16
